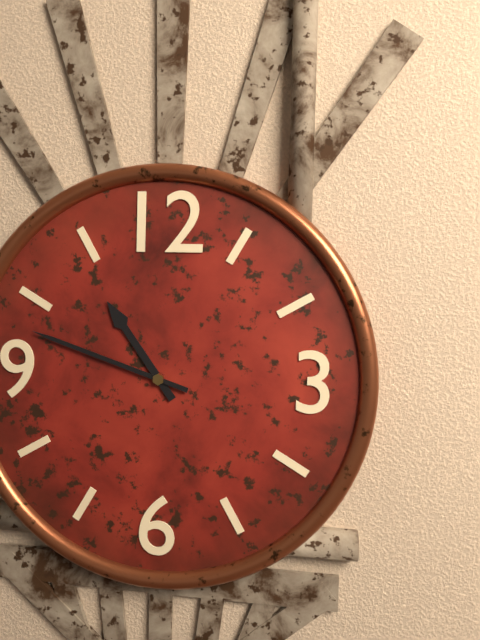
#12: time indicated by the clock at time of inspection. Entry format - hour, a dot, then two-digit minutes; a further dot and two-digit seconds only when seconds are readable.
10.48
